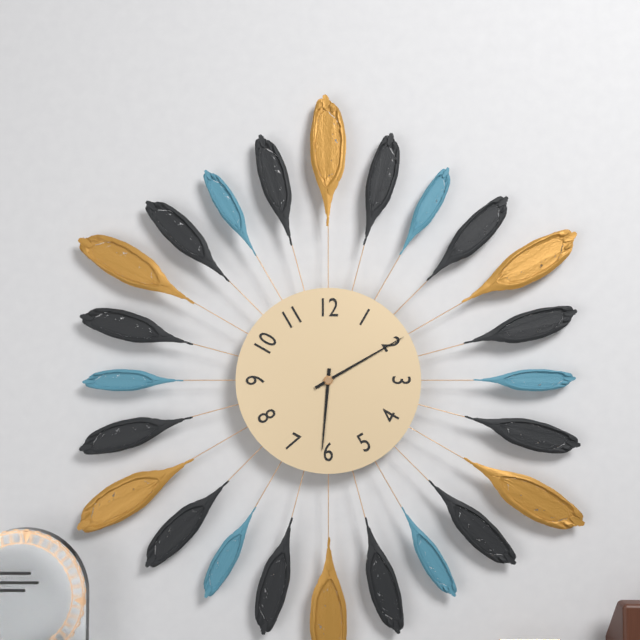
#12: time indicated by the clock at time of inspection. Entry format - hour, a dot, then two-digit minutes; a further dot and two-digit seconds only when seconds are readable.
6.10
